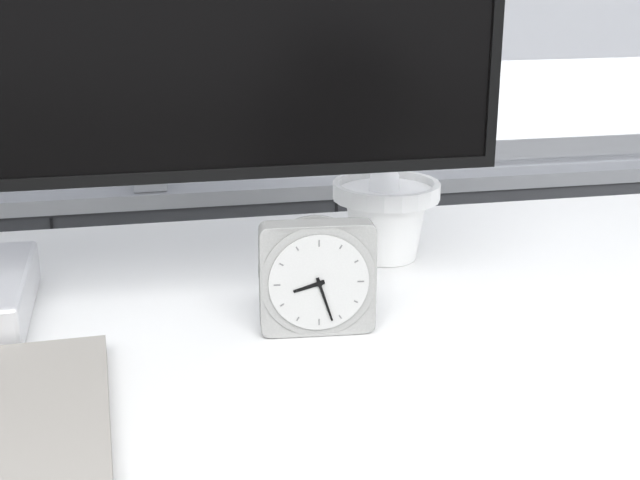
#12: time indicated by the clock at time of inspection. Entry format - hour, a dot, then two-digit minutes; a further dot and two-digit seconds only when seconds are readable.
8.27
